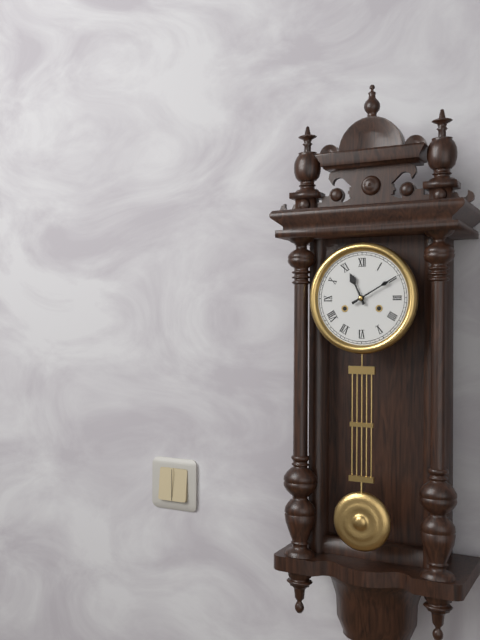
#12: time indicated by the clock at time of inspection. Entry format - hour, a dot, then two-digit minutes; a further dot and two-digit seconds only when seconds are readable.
11.10
